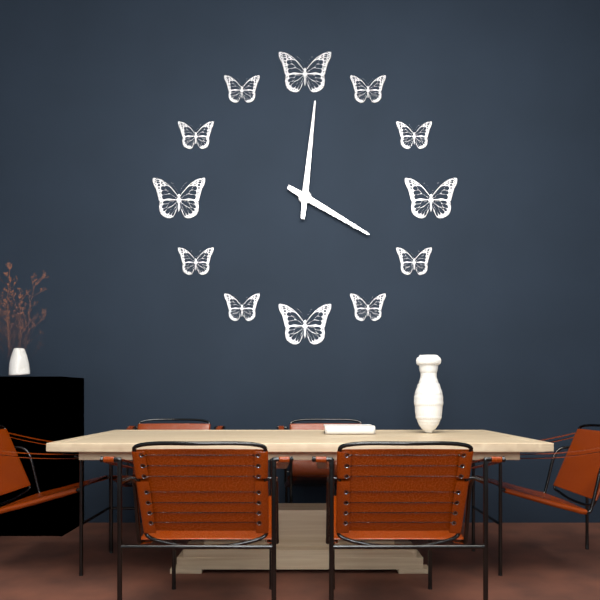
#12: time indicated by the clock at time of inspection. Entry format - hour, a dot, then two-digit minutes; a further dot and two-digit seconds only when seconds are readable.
4.01
